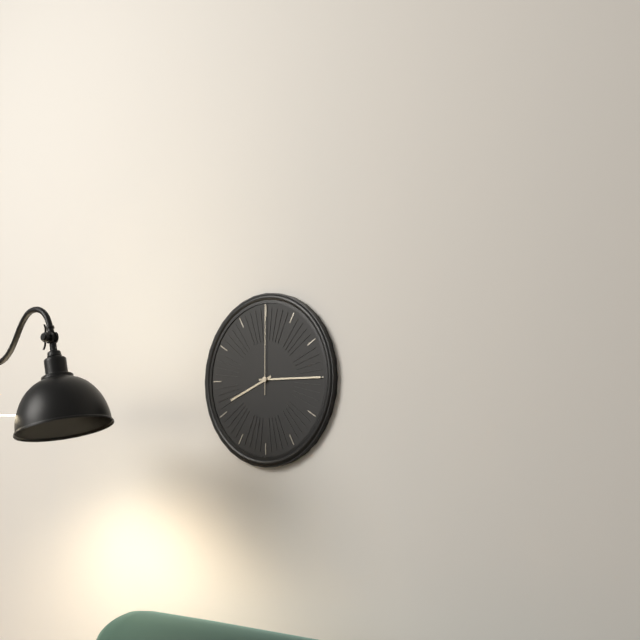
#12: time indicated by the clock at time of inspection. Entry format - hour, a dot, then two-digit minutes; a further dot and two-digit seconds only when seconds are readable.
8.15.00
